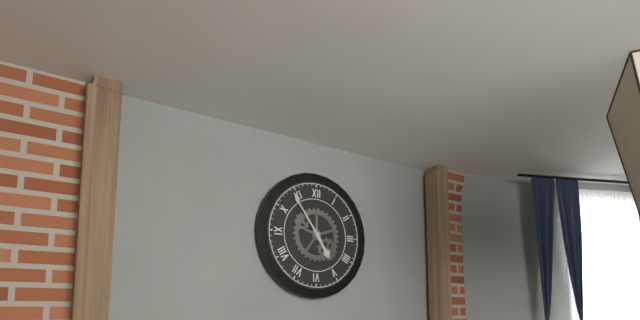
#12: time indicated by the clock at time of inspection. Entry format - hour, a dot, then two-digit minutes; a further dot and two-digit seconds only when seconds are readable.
4.54
